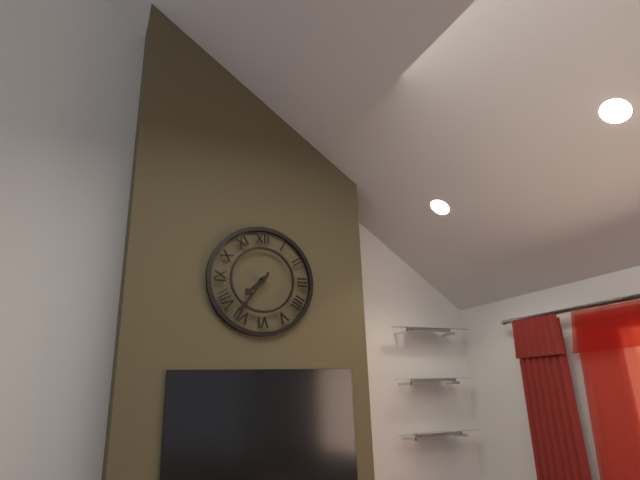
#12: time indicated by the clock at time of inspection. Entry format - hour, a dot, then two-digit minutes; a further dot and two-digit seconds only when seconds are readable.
7.36
